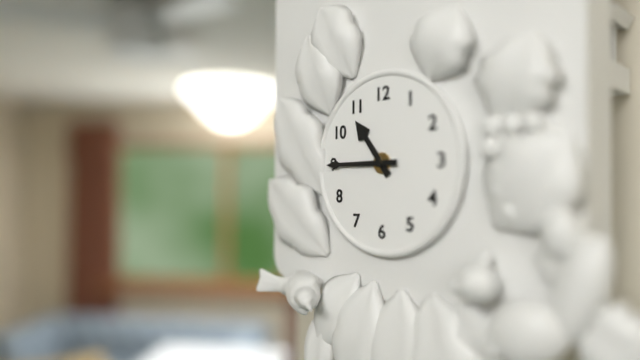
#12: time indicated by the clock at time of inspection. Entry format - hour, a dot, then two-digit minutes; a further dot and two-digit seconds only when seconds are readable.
10.45
